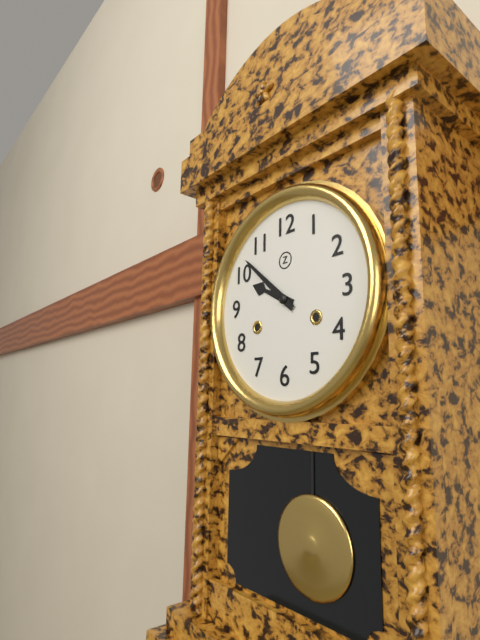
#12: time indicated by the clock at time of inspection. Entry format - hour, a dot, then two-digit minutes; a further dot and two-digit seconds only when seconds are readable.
9.52
